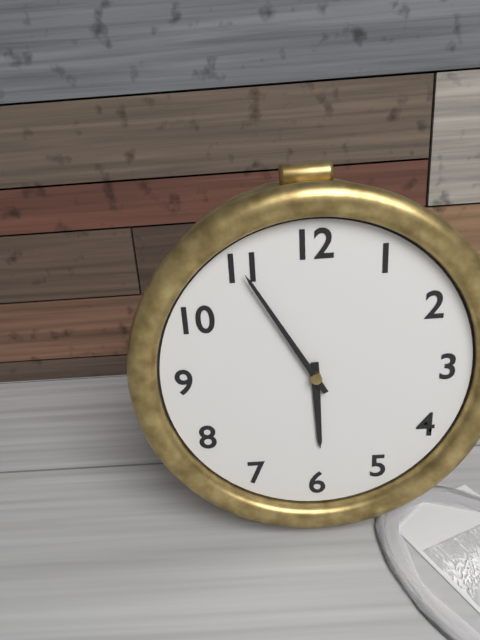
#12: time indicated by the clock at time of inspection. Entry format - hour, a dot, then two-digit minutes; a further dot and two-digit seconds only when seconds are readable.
5.55
